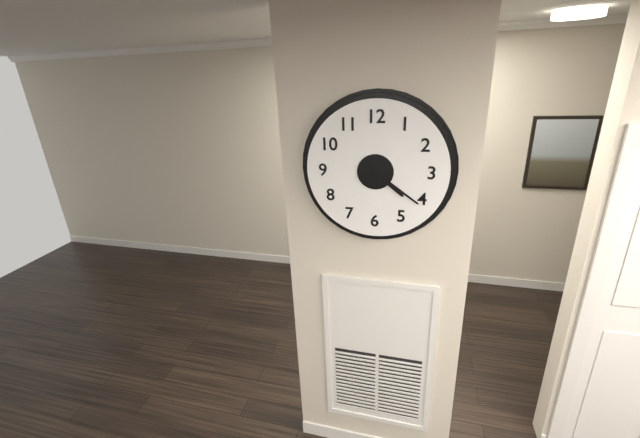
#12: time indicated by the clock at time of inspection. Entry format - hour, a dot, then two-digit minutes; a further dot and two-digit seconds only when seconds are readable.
4.21
